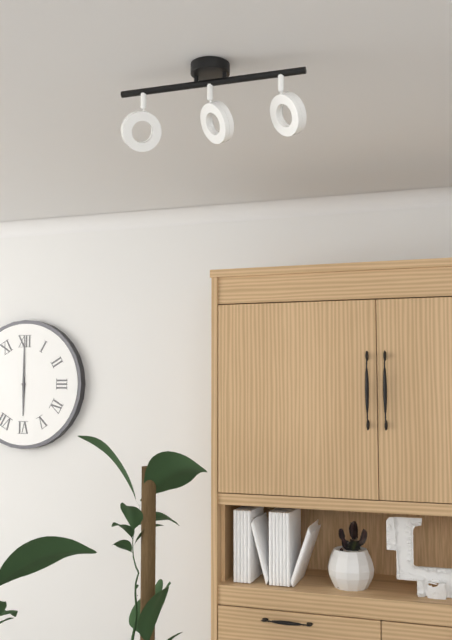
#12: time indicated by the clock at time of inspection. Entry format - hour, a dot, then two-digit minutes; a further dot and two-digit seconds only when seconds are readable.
6.00
